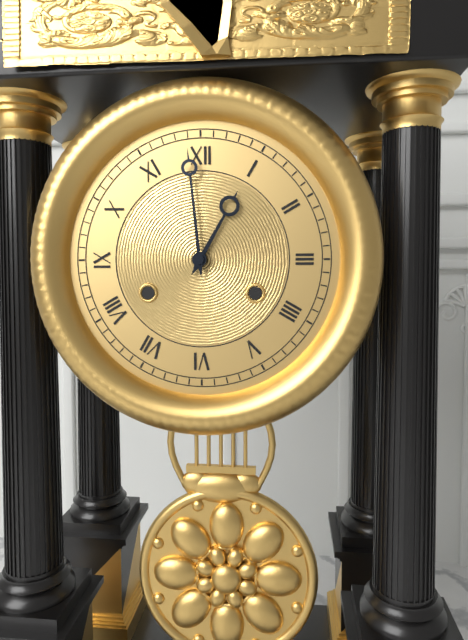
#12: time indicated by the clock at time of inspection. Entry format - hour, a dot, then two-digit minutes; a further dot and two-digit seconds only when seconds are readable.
12.59
